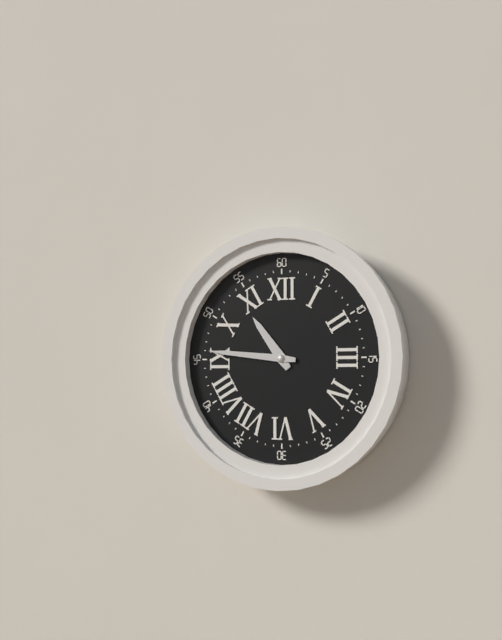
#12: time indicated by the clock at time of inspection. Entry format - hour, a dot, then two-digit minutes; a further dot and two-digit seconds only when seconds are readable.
10.46
